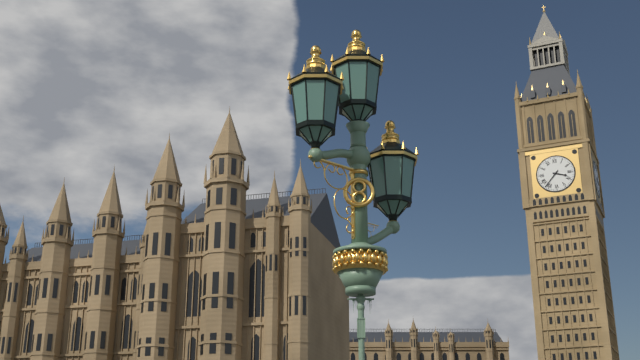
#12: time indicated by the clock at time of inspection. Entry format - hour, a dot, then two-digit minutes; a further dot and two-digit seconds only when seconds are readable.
3.37
